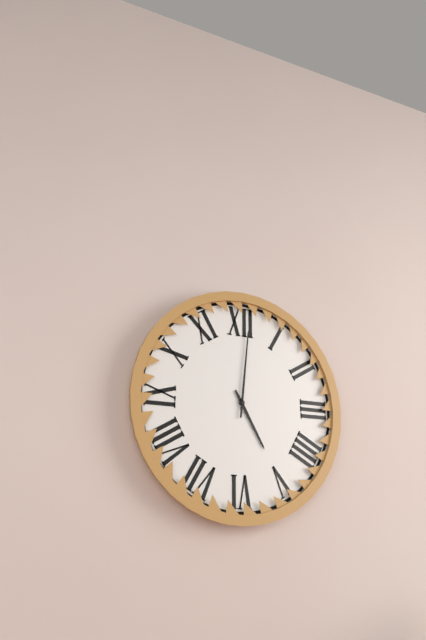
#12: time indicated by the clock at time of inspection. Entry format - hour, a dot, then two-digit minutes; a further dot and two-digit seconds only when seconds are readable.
5.01
